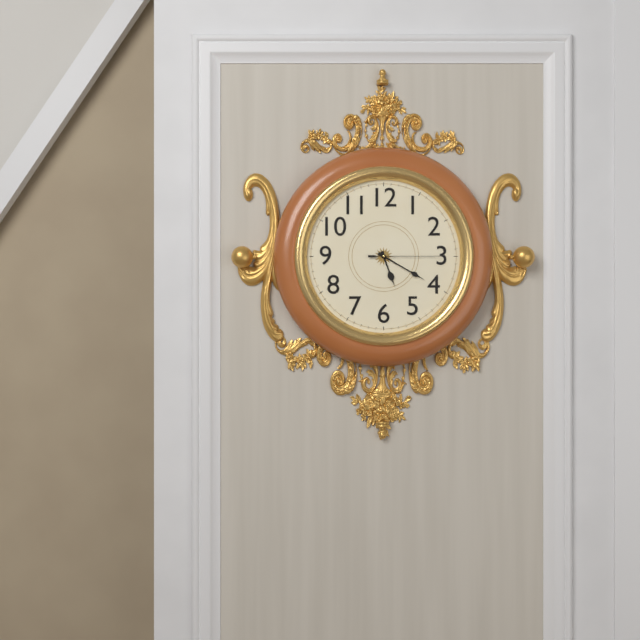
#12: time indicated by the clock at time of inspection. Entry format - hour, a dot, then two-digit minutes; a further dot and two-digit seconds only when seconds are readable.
5.20.15
